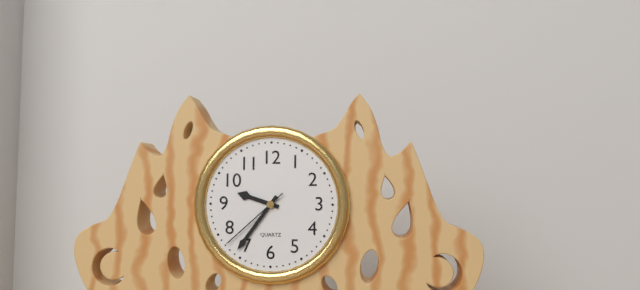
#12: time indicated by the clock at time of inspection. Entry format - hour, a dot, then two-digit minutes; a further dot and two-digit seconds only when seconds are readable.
9.36.38
